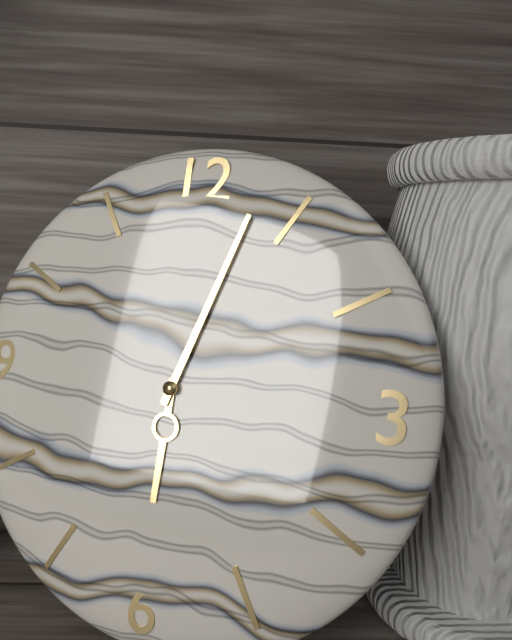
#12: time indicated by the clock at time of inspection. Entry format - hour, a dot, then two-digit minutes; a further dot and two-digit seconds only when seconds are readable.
6.03
